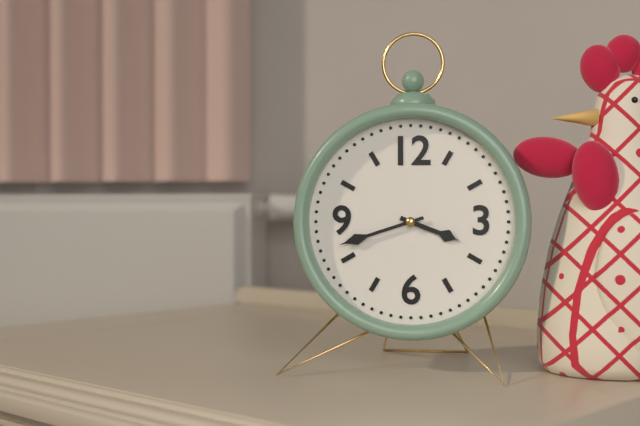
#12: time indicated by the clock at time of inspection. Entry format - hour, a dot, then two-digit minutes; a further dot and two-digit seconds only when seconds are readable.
3.42
